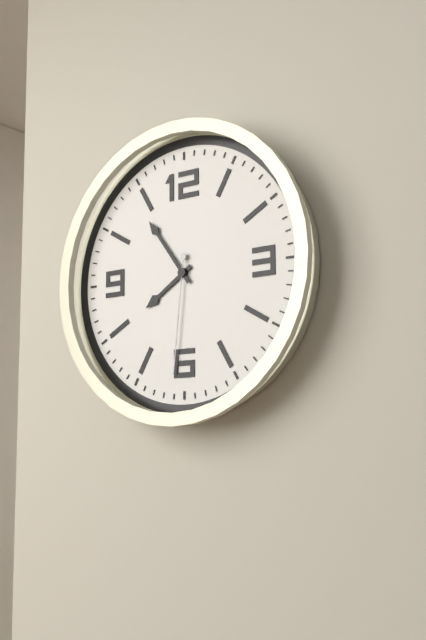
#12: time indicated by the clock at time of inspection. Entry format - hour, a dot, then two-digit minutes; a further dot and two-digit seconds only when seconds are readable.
7.54.31
